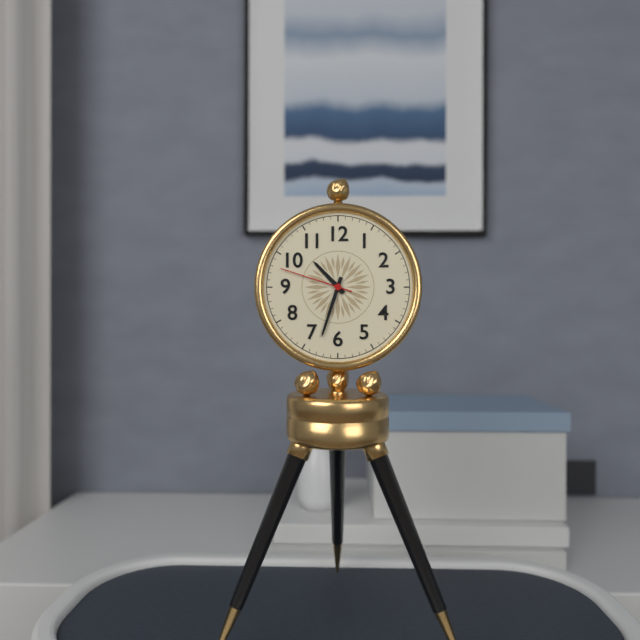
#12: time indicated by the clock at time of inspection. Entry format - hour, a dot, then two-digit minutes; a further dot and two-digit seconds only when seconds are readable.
10.33.48
